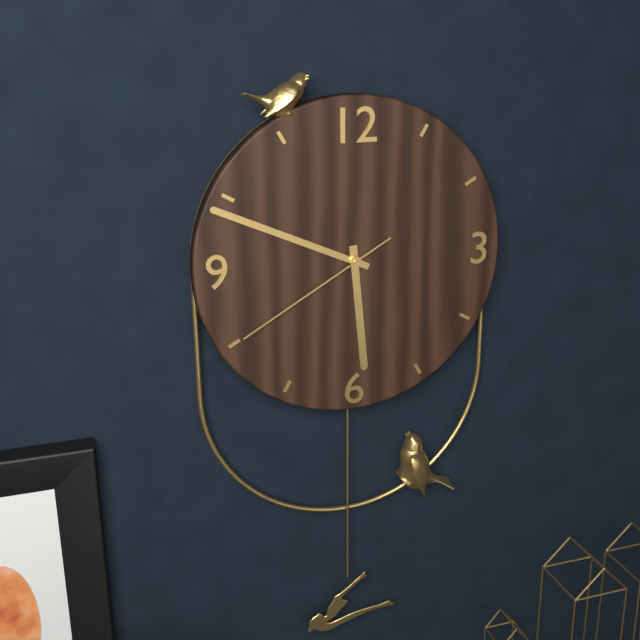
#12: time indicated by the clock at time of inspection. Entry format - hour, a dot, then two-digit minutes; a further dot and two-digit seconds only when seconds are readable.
5.49.40
